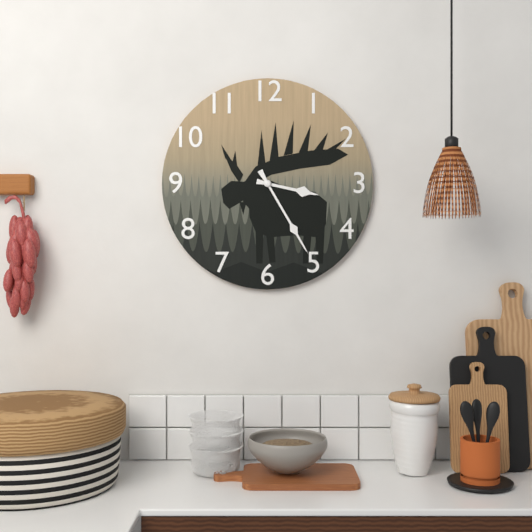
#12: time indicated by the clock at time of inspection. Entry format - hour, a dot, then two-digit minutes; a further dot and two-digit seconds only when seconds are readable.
3.25
